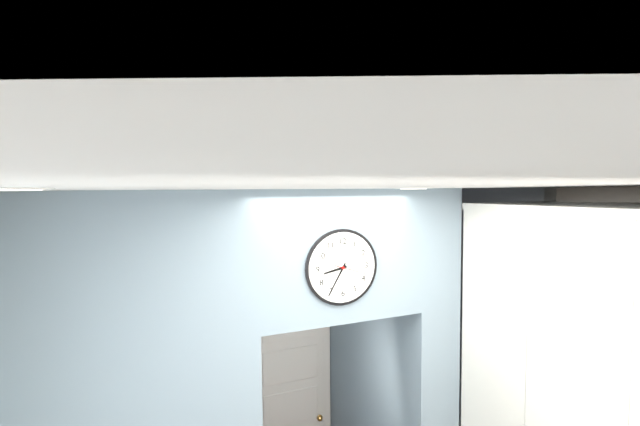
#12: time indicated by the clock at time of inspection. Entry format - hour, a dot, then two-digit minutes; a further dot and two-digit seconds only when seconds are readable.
8.35
